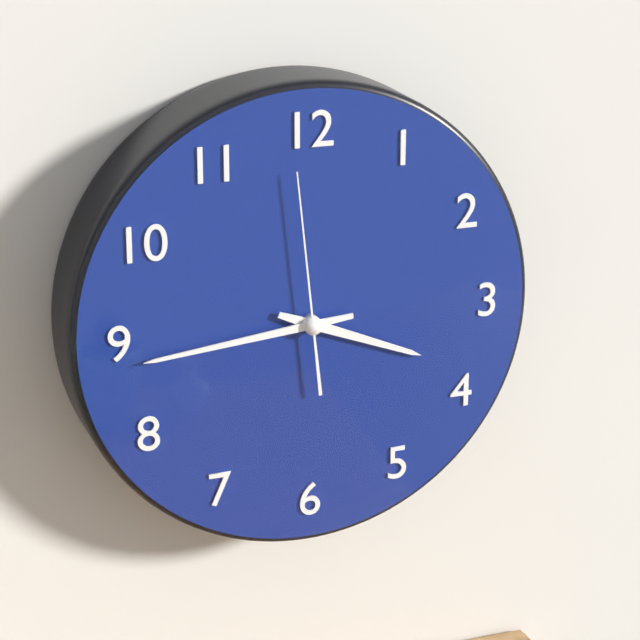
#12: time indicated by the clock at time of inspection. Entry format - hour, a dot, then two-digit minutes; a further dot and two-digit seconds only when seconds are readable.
3.44.59
